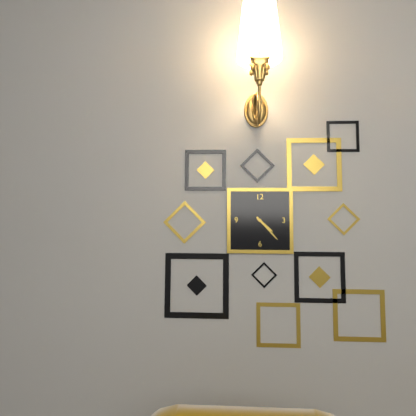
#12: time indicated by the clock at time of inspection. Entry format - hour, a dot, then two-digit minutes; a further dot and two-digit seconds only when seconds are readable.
4.23
